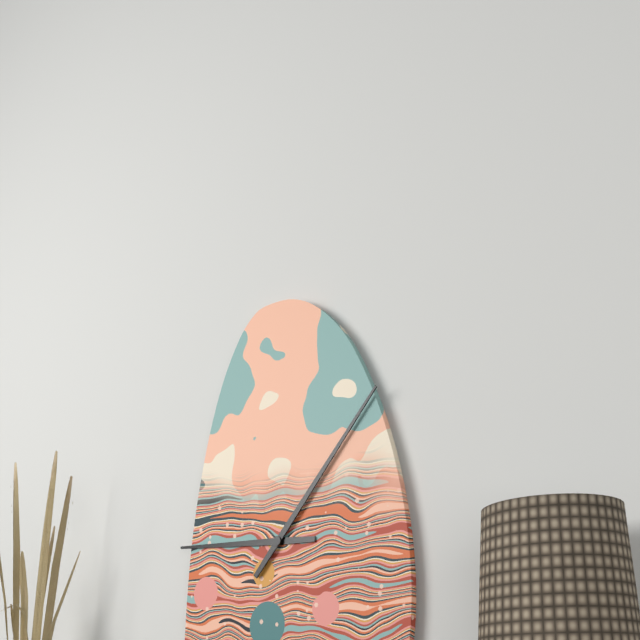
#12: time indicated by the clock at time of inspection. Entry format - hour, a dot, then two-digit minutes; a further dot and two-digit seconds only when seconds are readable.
9.07
